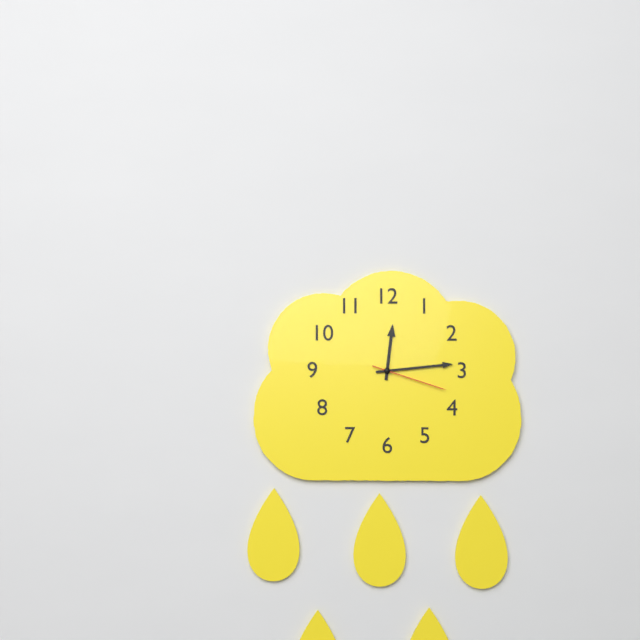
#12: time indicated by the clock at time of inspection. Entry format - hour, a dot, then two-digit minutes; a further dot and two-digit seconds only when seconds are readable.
12.14.18
